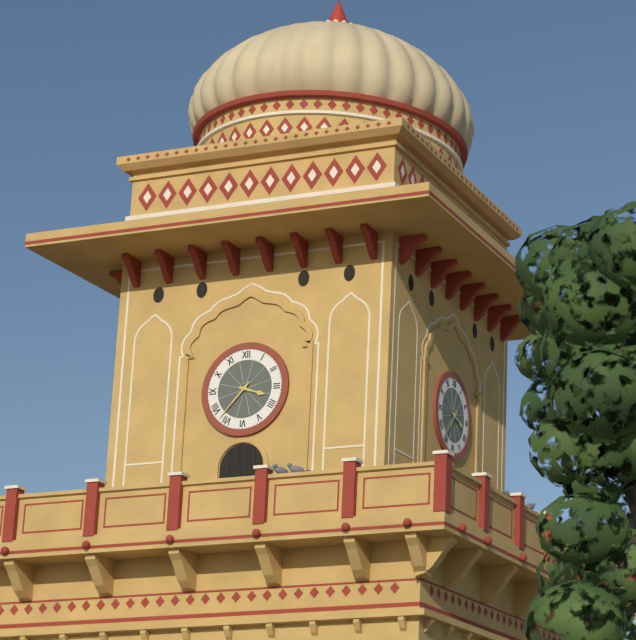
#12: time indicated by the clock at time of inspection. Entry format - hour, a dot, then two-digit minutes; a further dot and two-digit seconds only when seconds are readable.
3.37
